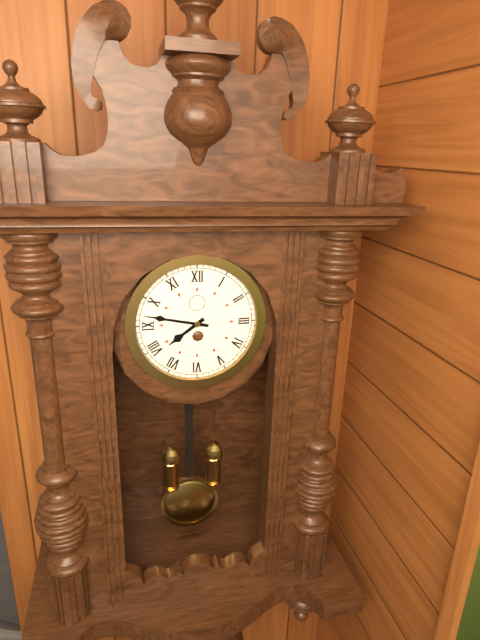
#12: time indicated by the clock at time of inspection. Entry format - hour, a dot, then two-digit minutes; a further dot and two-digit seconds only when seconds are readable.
7.47
